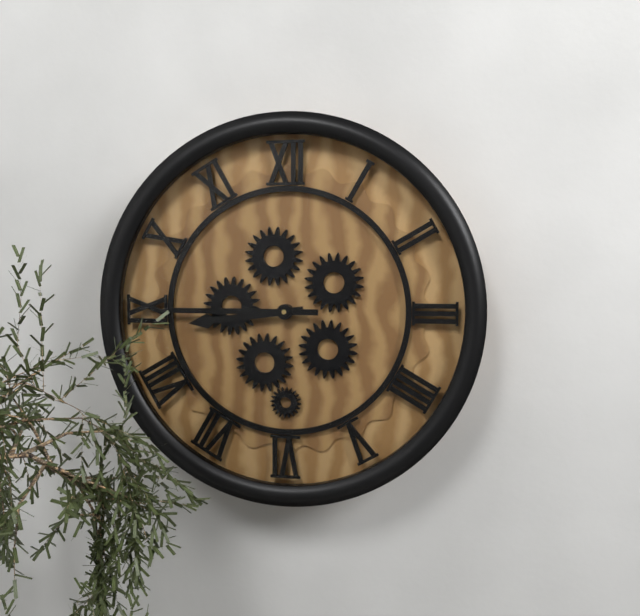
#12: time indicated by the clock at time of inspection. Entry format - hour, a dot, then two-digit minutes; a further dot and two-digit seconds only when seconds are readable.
8.45
